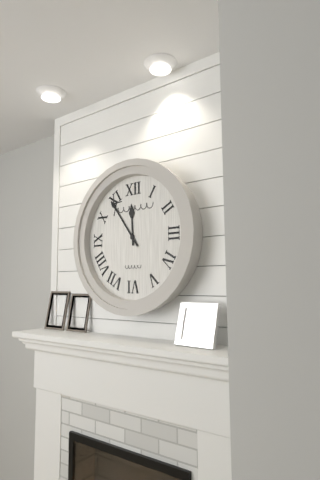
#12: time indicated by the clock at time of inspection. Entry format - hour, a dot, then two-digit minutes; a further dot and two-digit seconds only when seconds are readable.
11.54
